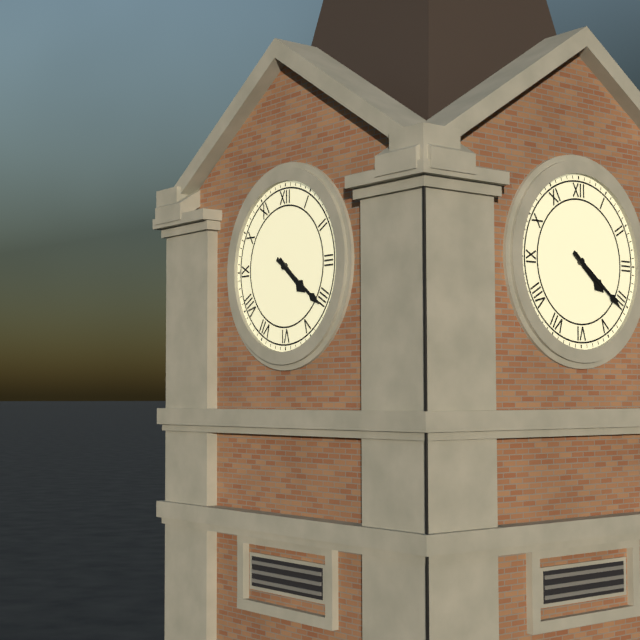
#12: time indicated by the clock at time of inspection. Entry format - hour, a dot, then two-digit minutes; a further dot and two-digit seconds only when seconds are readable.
4.21
